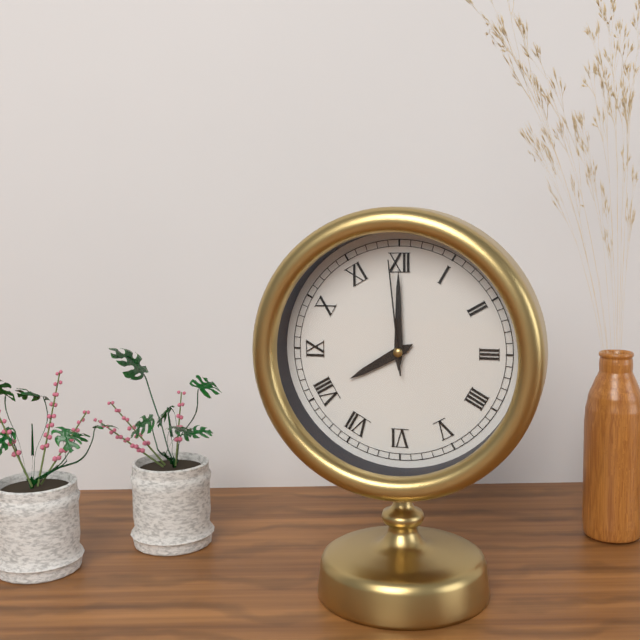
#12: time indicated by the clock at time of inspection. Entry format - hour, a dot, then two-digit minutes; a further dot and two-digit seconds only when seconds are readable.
8.00.59
